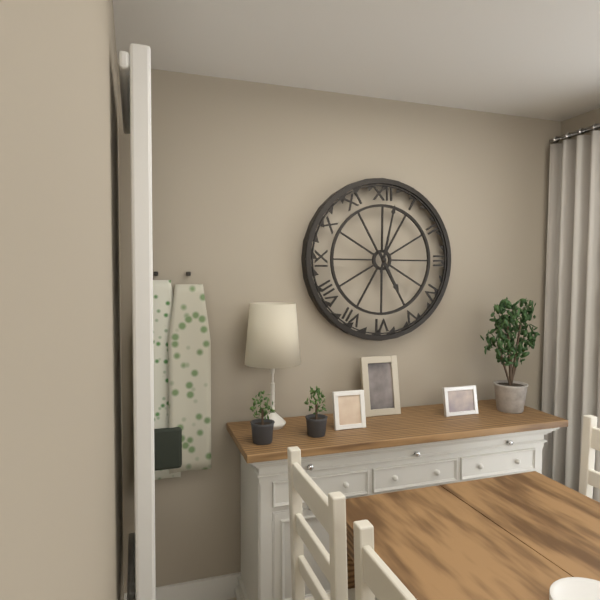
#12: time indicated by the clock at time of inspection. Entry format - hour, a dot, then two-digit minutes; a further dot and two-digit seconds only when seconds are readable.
5.02
